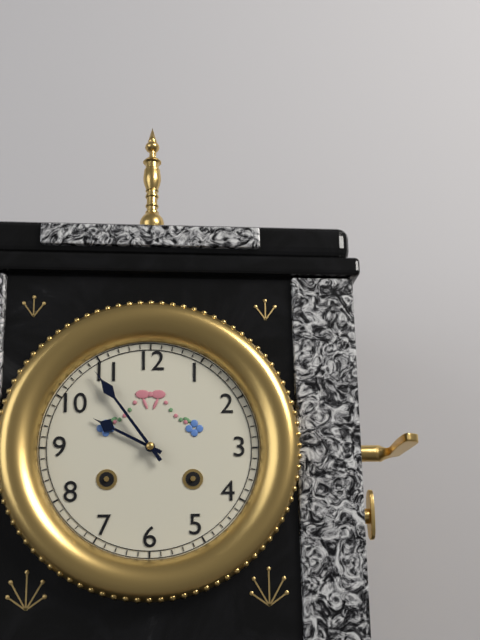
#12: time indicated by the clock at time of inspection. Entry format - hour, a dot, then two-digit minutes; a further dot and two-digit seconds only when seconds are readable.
9.54
